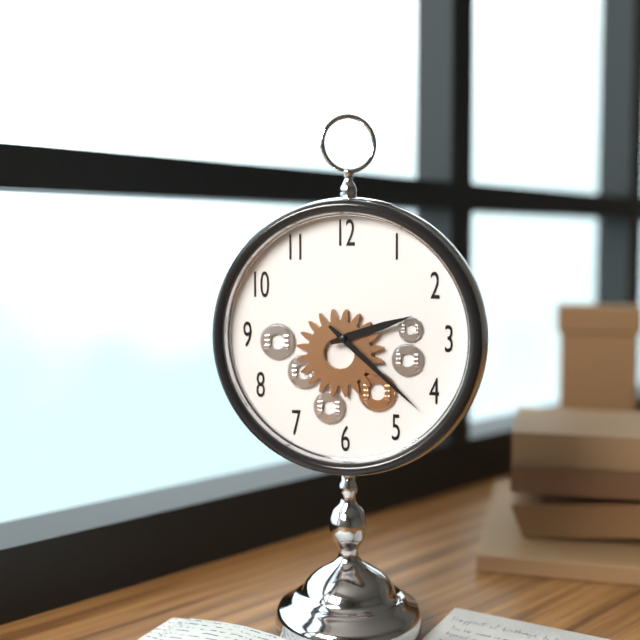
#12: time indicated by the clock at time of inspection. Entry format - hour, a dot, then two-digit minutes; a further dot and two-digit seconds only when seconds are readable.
2.22
